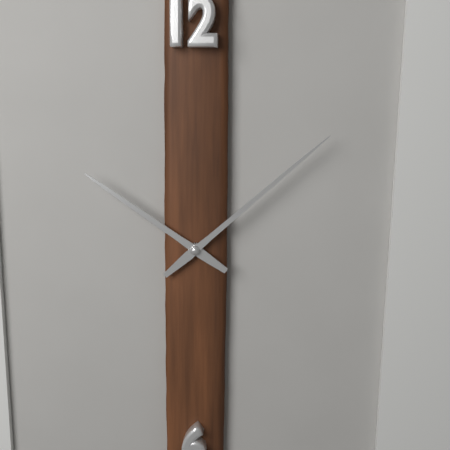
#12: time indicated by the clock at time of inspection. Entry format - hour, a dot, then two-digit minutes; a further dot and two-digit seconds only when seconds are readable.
10.08
